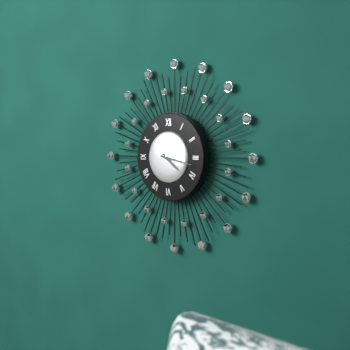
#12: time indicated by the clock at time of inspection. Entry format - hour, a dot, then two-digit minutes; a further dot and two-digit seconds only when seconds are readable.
4.17
